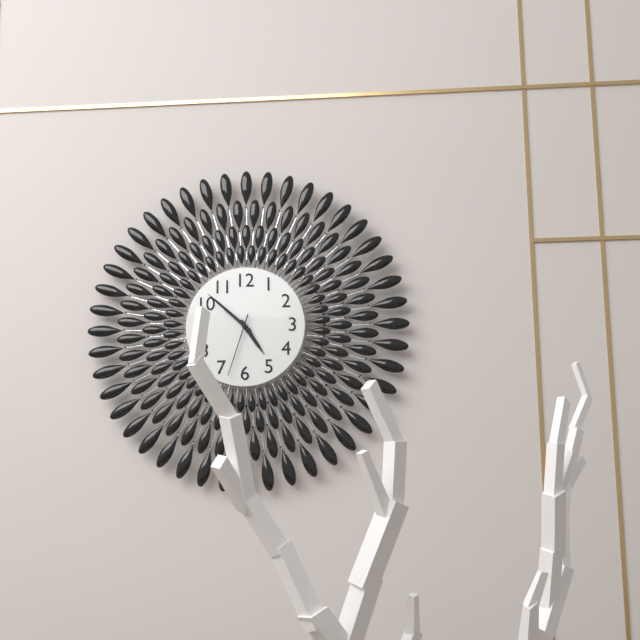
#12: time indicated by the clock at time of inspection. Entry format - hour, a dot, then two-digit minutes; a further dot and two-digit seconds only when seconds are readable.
4.52.33
